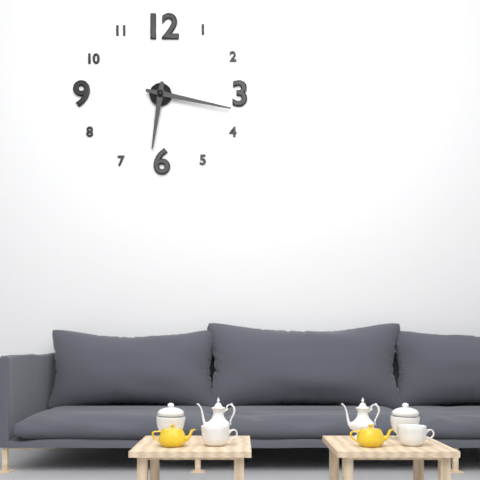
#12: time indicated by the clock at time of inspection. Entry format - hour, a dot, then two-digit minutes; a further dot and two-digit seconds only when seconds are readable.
6.17
